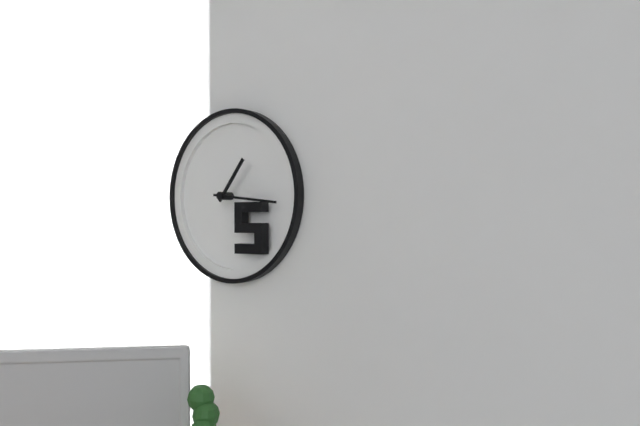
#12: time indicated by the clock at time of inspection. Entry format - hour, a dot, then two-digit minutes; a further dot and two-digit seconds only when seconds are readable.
1.16
